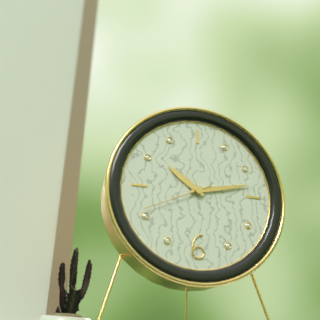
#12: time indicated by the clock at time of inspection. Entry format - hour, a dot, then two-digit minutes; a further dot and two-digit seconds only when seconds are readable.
10.13.41
